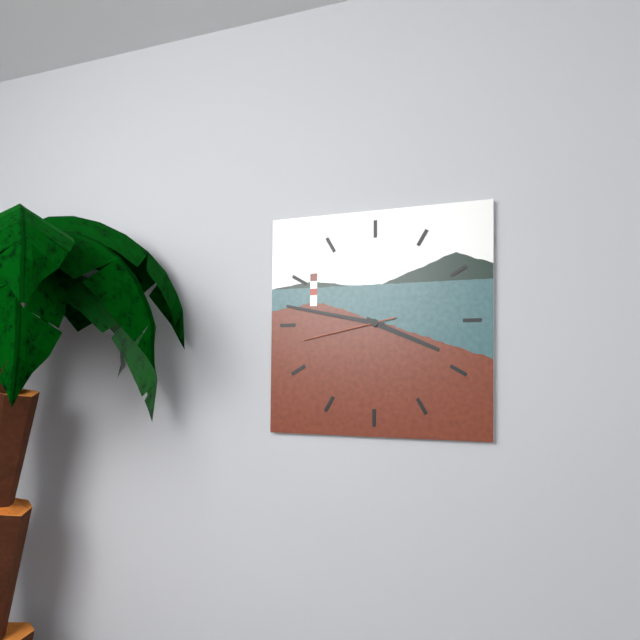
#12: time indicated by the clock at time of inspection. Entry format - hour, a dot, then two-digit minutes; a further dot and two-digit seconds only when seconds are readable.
3.47.43
